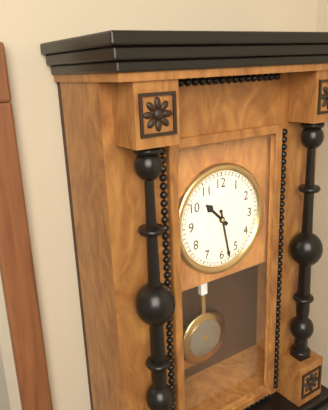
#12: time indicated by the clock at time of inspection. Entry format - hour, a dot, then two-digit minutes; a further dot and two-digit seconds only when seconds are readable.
10.28
